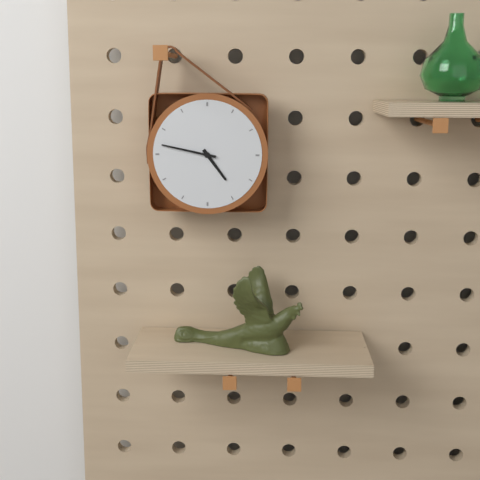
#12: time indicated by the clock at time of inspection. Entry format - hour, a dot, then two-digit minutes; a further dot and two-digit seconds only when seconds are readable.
4.47
